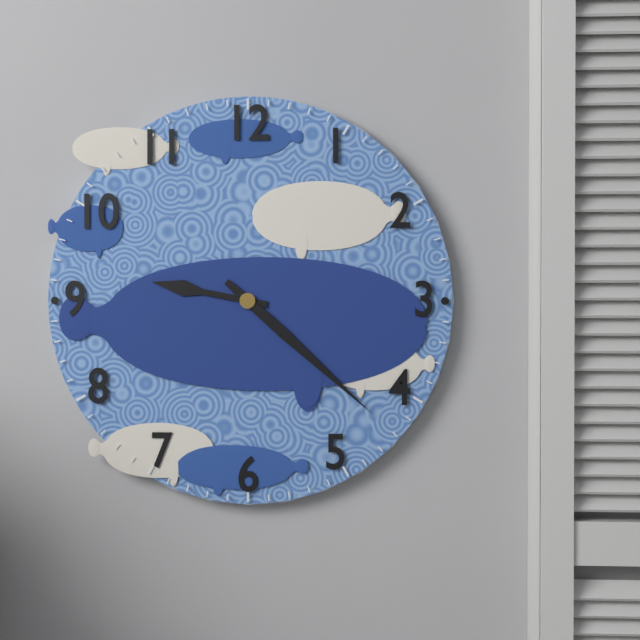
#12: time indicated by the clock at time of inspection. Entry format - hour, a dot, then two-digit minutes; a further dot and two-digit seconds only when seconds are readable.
9.22
